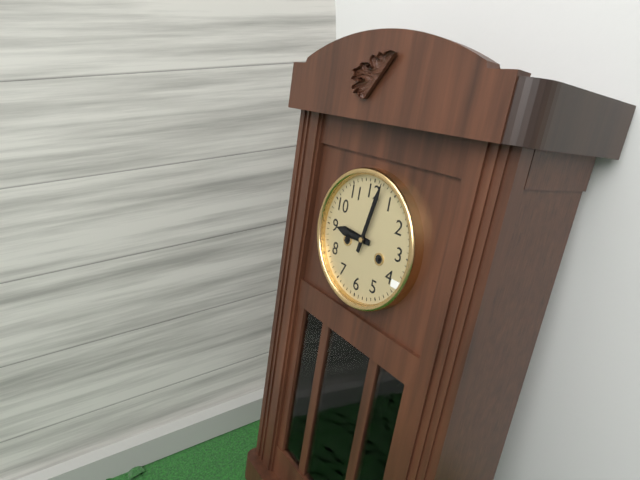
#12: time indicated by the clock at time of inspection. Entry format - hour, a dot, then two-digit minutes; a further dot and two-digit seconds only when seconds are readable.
9.02
